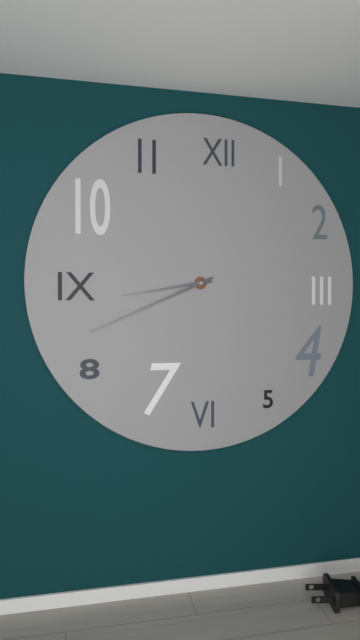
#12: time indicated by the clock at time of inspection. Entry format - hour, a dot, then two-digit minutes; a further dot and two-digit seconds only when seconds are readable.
8.41
